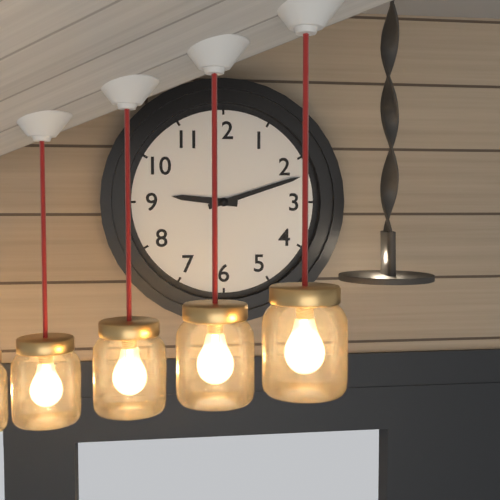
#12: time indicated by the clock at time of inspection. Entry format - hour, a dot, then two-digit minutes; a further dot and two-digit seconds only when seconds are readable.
9.12
